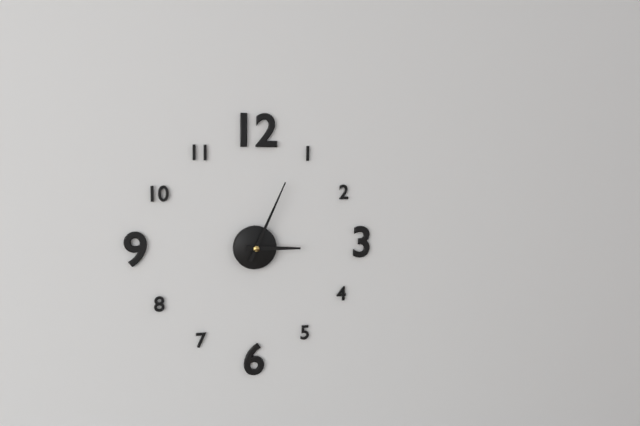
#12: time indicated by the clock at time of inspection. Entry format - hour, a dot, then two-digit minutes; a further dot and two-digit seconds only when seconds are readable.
3.04
